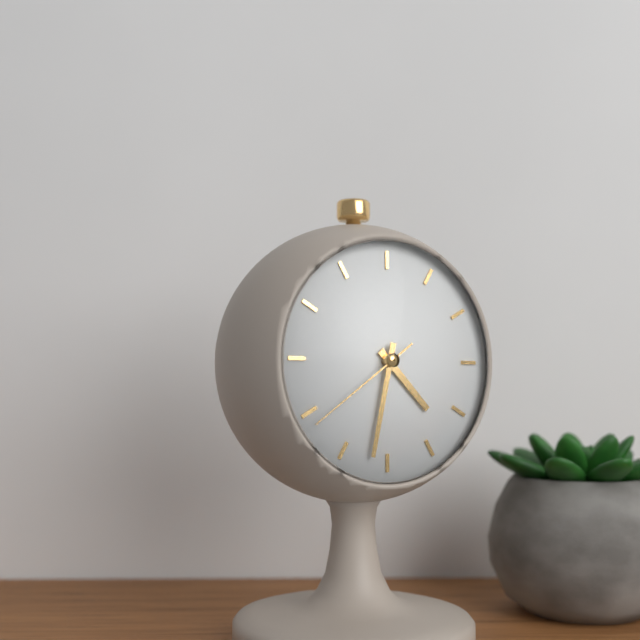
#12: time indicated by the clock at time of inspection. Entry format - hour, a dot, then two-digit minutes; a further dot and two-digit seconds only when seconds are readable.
4.32.39
